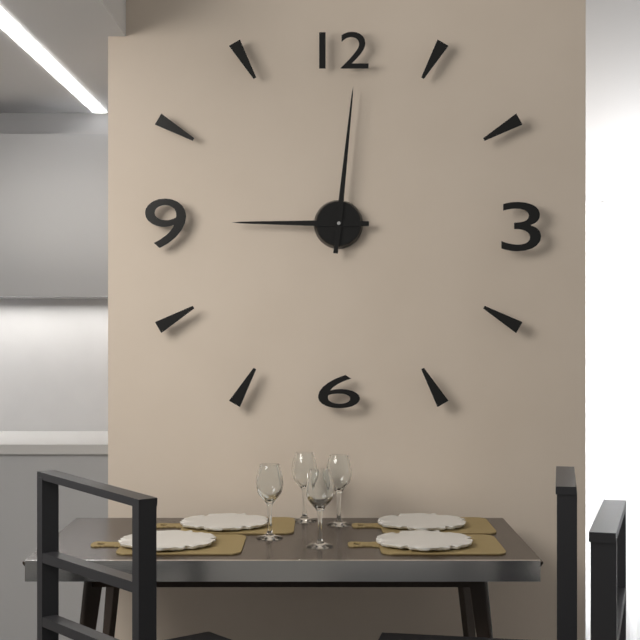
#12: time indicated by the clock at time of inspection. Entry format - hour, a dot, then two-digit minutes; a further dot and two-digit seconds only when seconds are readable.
9.01
